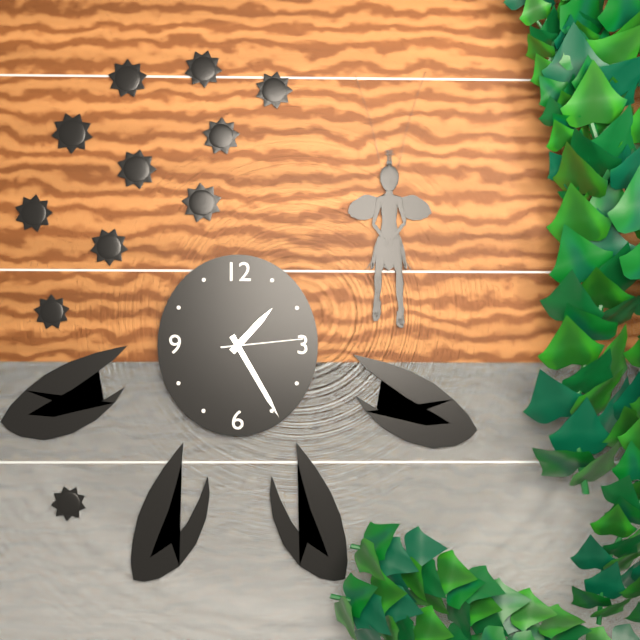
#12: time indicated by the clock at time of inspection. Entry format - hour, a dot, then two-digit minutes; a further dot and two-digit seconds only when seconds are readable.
1.25.14
